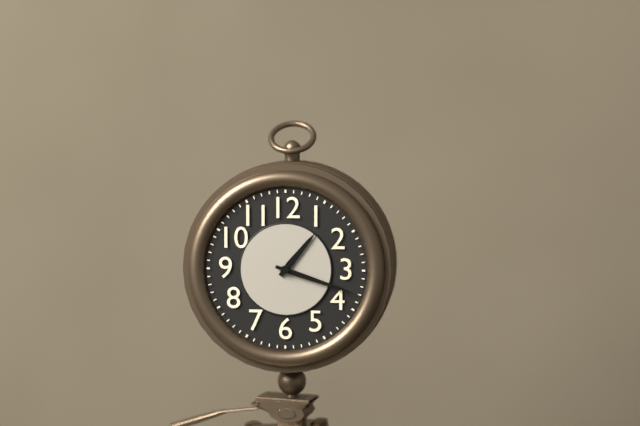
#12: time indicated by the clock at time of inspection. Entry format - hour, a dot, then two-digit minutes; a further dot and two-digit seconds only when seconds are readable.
1.18
